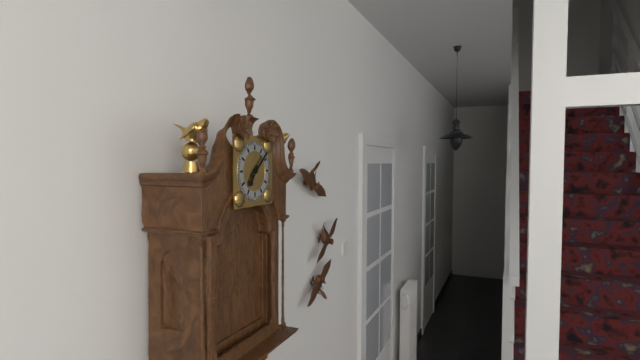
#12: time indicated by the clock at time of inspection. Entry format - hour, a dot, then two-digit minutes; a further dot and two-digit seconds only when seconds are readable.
7.08
